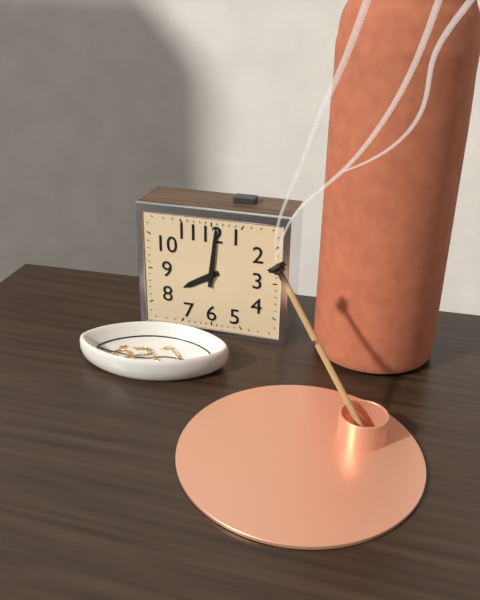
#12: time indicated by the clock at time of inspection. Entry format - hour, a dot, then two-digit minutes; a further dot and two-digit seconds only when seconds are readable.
8.01
